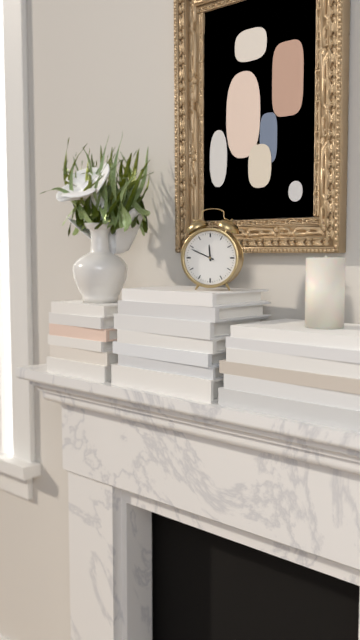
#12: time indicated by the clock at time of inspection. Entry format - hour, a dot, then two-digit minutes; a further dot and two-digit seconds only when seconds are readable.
11.49
